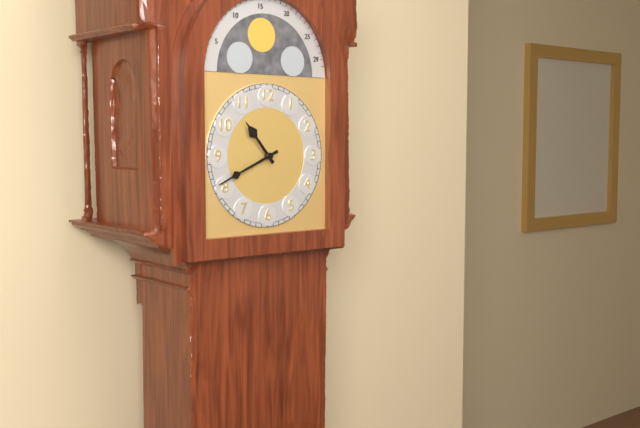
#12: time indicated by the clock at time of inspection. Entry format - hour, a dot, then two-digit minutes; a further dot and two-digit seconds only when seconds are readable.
10.41
